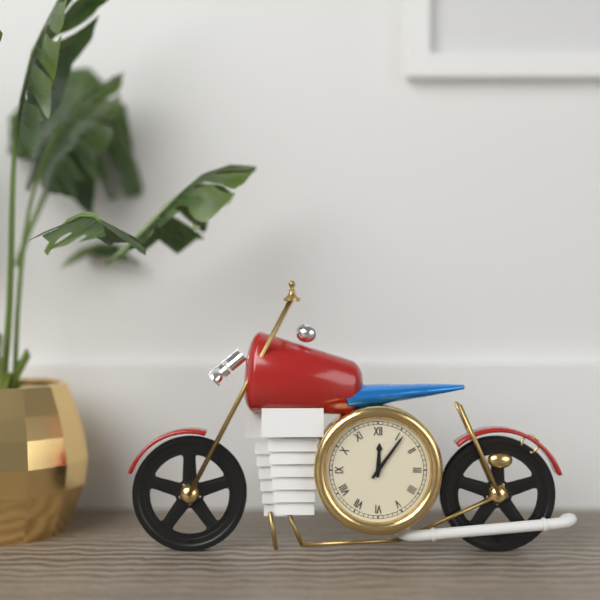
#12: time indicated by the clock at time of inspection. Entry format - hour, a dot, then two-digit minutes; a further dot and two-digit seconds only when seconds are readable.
12.06
